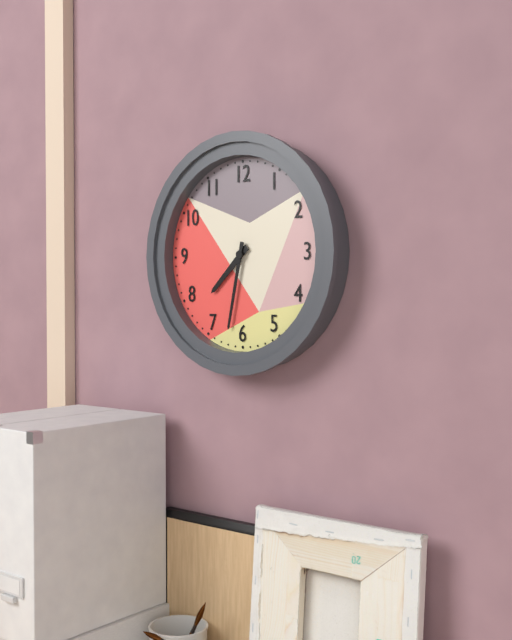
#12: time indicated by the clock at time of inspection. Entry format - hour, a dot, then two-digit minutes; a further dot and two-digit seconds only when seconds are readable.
7.32
